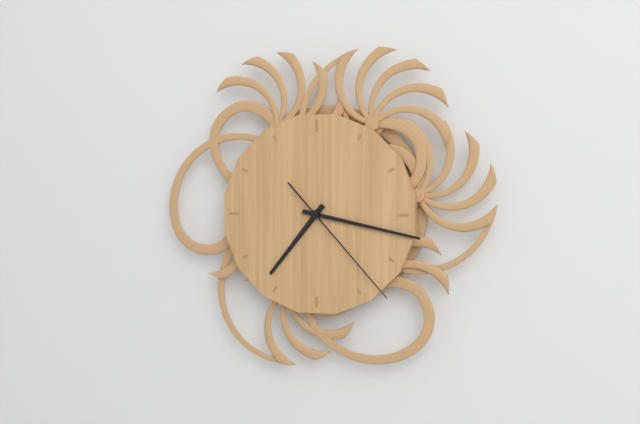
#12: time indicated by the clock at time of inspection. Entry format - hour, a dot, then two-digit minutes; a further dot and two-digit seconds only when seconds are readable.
7.17.23
